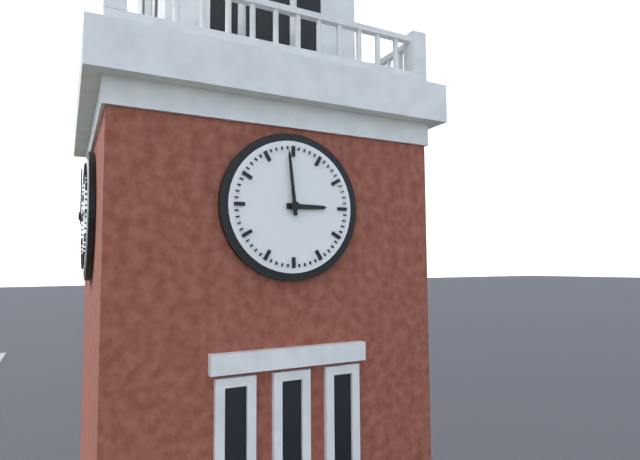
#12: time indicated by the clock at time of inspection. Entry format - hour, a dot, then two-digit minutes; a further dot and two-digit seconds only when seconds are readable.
2.59
